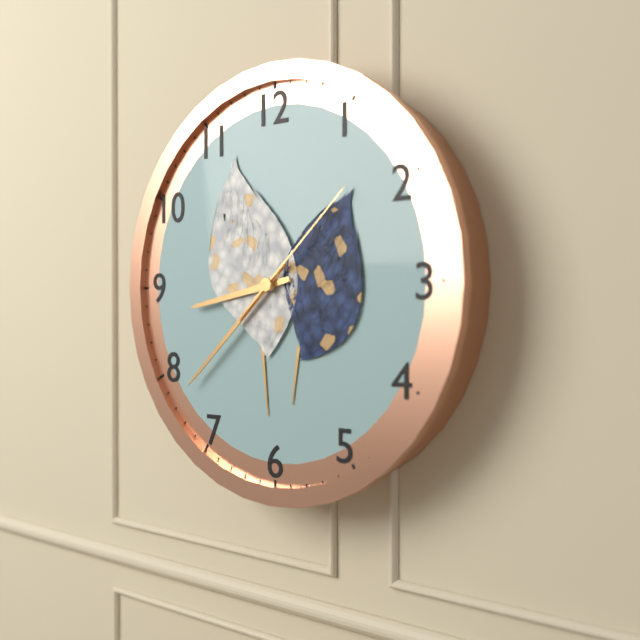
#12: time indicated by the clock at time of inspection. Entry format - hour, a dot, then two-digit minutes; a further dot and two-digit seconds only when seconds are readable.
8.38.08
